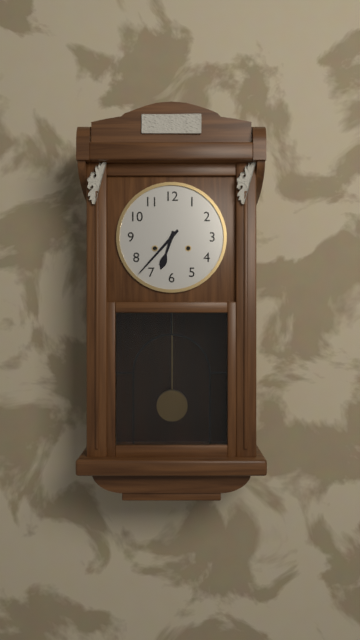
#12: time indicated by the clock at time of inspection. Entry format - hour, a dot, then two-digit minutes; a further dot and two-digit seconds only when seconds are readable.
6.37
